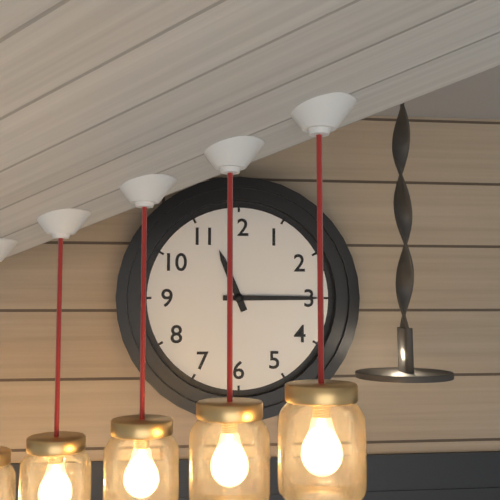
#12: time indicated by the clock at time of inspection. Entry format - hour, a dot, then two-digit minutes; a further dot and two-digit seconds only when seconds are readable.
11.15
